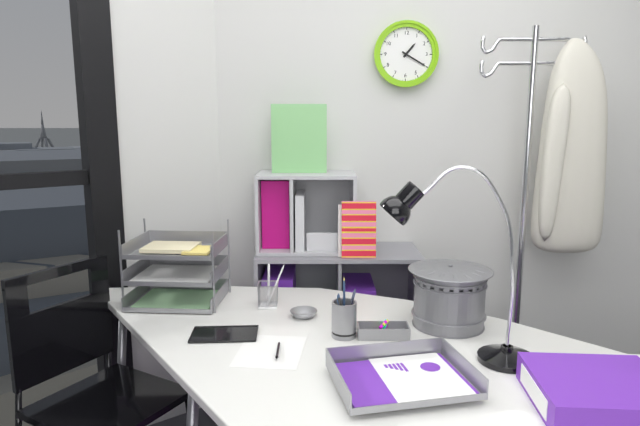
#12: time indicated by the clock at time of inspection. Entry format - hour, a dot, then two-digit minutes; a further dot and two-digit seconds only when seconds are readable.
1.20
